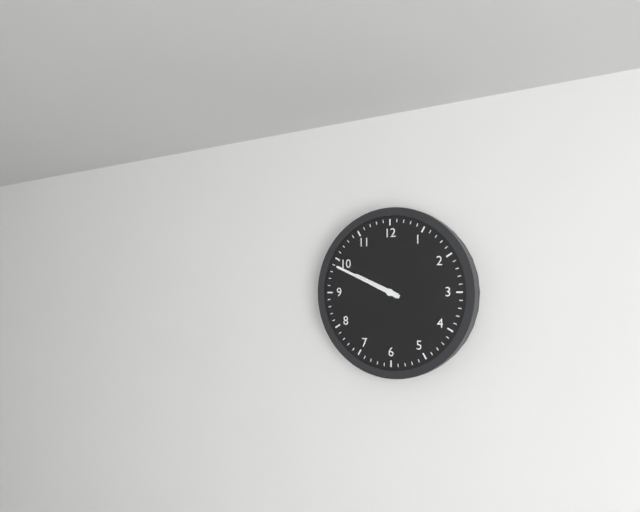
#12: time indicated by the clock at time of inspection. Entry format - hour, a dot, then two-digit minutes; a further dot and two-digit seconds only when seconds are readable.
9.49
